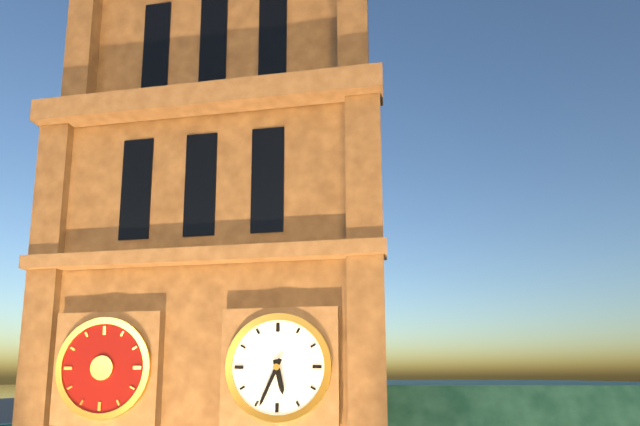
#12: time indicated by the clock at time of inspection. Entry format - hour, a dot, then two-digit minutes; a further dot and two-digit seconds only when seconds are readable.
5.34
